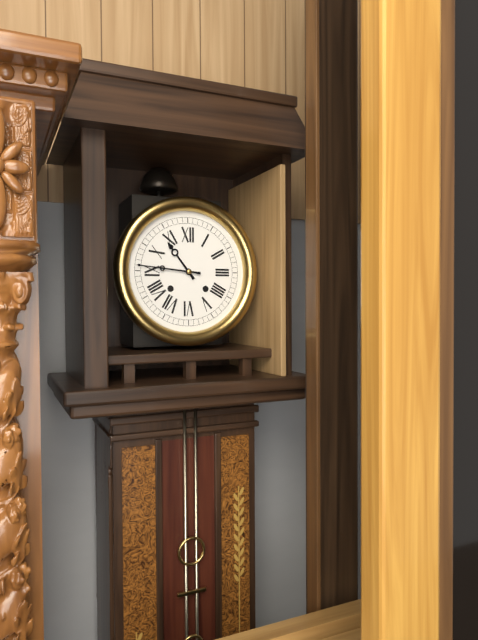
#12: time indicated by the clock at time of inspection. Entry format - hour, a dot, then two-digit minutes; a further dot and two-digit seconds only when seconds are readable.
10.46
